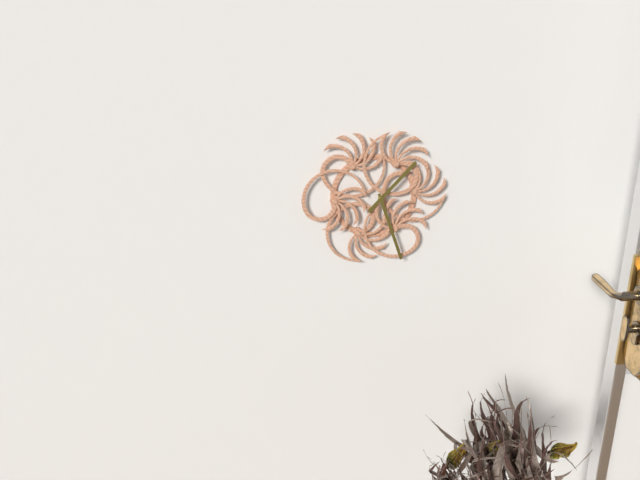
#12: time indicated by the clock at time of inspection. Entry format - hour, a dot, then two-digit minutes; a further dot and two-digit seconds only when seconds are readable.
1.27
